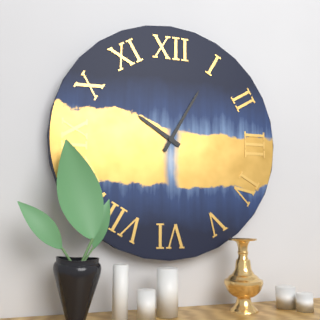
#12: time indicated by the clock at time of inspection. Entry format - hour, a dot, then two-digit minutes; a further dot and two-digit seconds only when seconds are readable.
10.05
